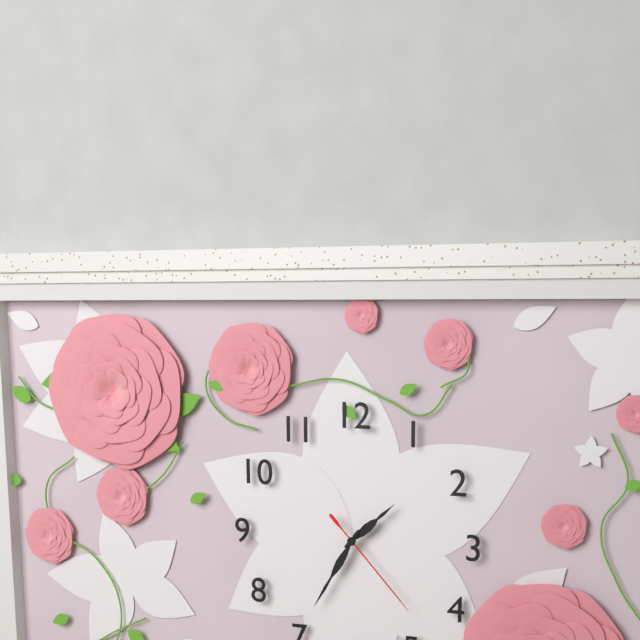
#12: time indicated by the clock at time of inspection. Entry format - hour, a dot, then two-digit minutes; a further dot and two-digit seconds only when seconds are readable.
1.35.23
